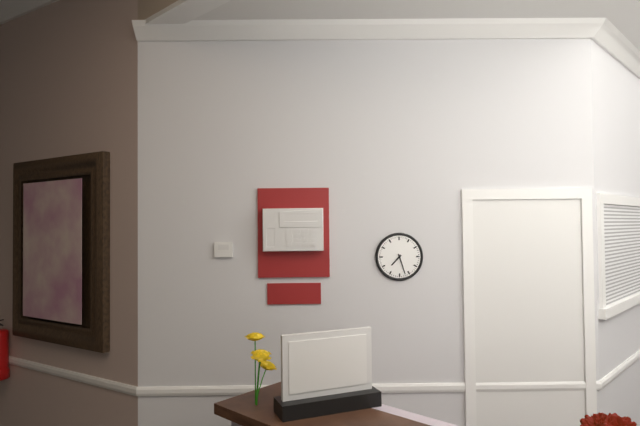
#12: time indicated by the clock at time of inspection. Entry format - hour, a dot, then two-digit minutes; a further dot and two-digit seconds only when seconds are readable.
7.27
